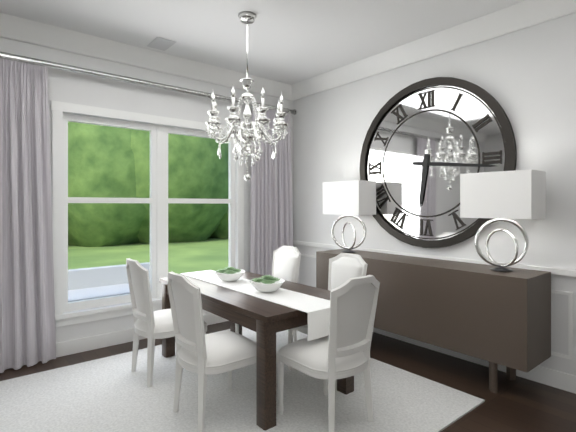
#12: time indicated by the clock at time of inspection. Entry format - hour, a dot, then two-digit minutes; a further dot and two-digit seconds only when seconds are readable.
6.16
